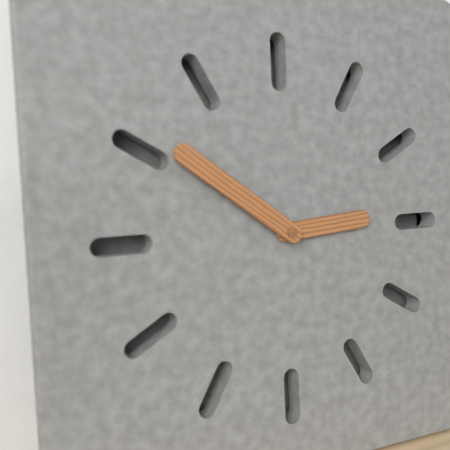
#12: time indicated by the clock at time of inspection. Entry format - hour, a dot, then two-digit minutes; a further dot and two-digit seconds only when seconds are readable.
2.51
